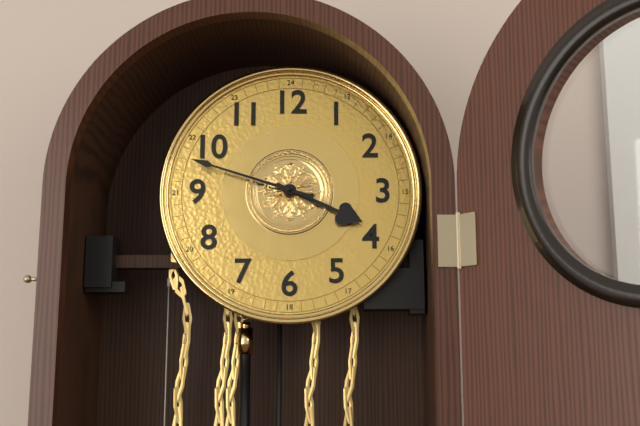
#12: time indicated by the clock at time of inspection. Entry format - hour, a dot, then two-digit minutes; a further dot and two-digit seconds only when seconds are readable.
3.48
